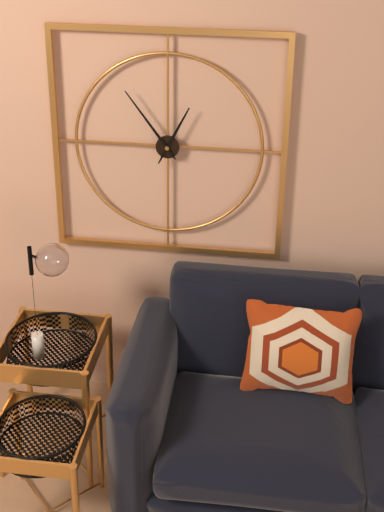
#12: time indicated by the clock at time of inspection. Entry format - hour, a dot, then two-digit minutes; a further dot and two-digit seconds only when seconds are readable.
12.54
